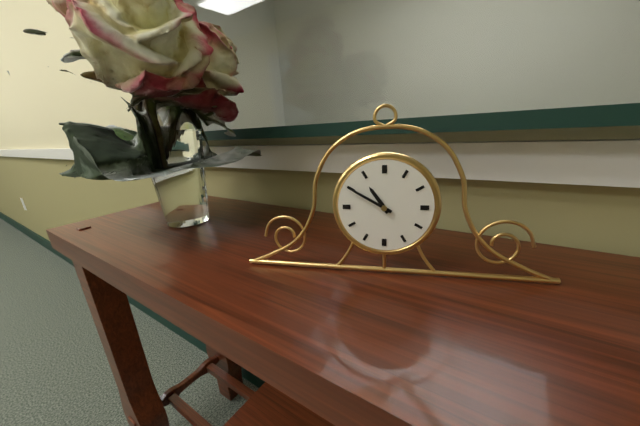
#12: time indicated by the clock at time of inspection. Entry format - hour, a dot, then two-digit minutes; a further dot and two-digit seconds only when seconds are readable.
10.50
